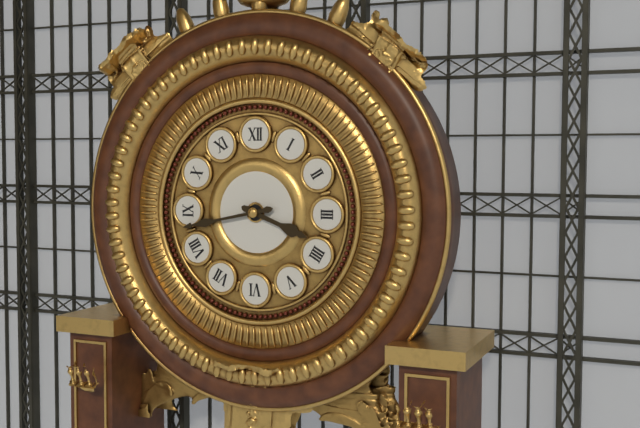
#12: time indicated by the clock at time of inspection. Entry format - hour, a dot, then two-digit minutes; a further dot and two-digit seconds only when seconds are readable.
3.43
